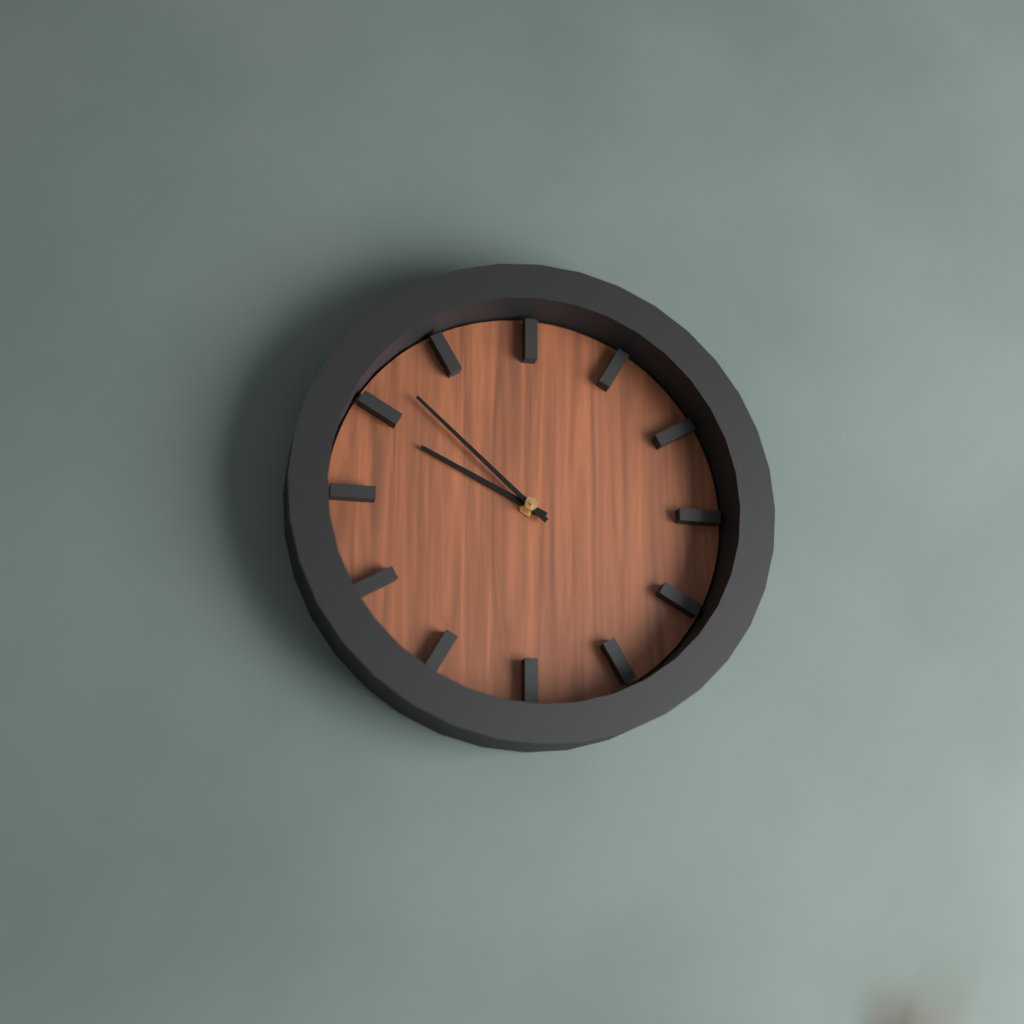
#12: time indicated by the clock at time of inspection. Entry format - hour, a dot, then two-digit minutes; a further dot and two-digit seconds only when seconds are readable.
9.52
